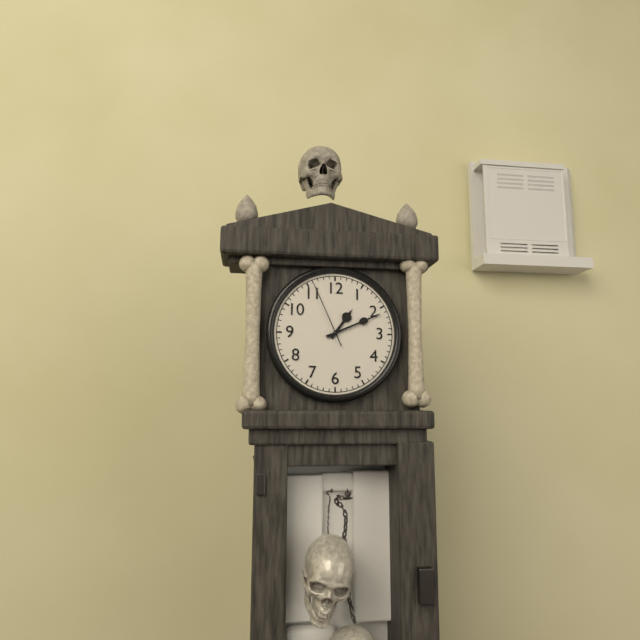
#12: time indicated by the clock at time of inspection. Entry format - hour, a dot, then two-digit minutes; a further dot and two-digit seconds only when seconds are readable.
1.11.56
